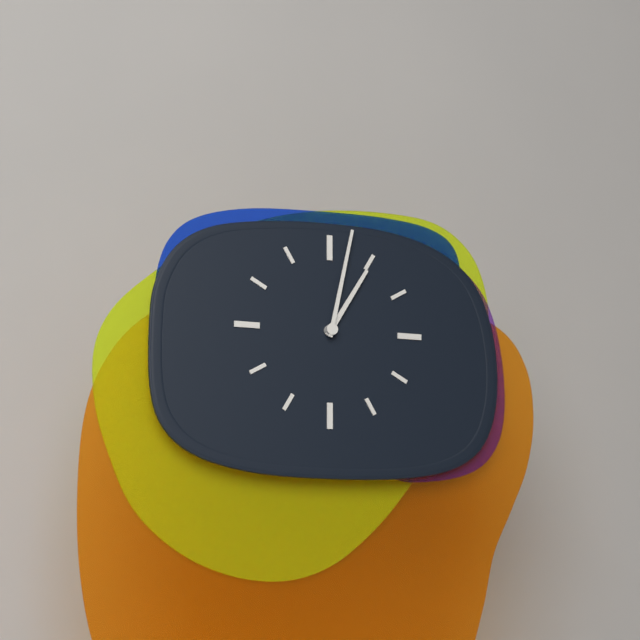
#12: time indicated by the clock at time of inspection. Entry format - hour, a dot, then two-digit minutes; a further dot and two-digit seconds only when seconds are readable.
1.02
